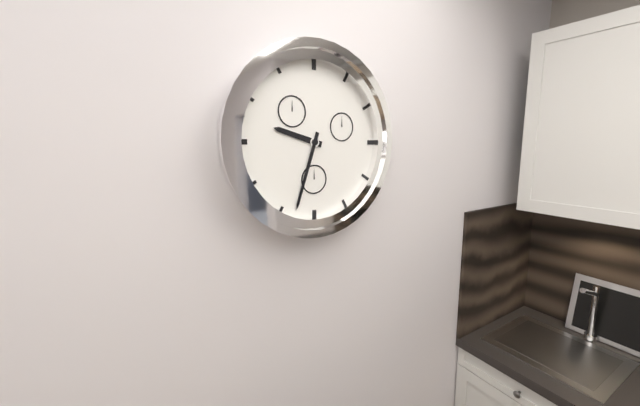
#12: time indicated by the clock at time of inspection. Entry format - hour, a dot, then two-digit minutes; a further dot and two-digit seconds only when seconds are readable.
9.33
